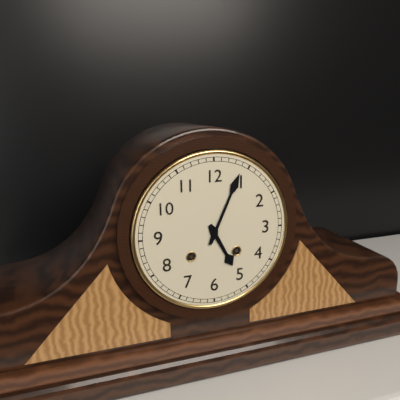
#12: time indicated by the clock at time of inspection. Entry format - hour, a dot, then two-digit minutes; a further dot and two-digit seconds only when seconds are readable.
5.04
